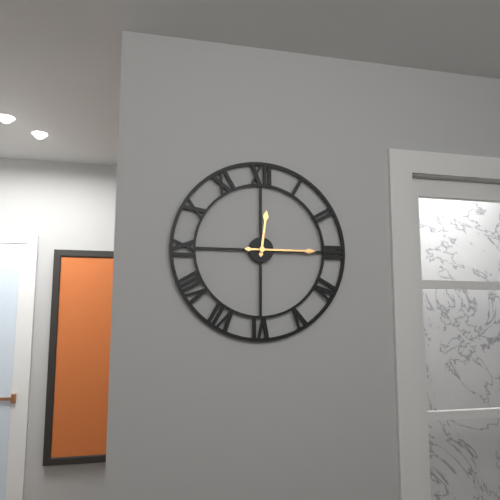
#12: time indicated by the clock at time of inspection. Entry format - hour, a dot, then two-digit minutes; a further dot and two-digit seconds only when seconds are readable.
12.15
